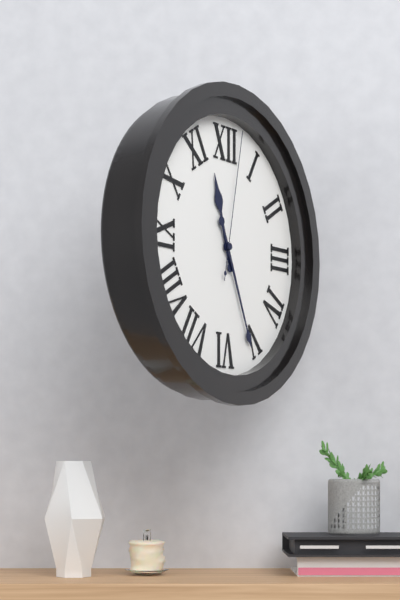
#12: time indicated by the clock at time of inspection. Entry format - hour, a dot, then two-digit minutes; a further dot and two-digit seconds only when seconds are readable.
11.26.02
